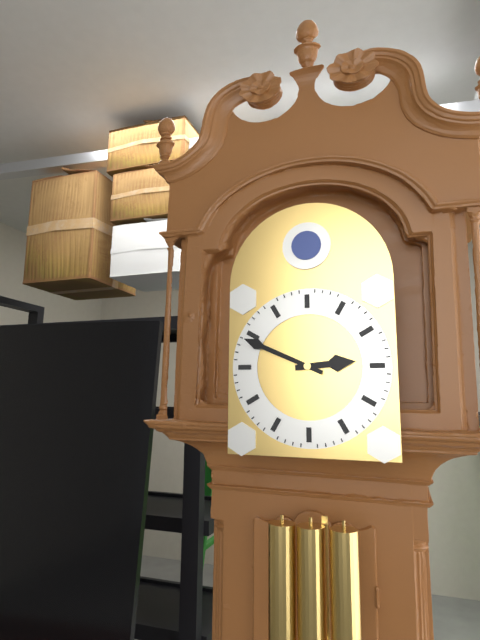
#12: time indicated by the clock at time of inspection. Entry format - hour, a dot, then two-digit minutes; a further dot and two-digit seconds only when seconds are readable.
2.49
